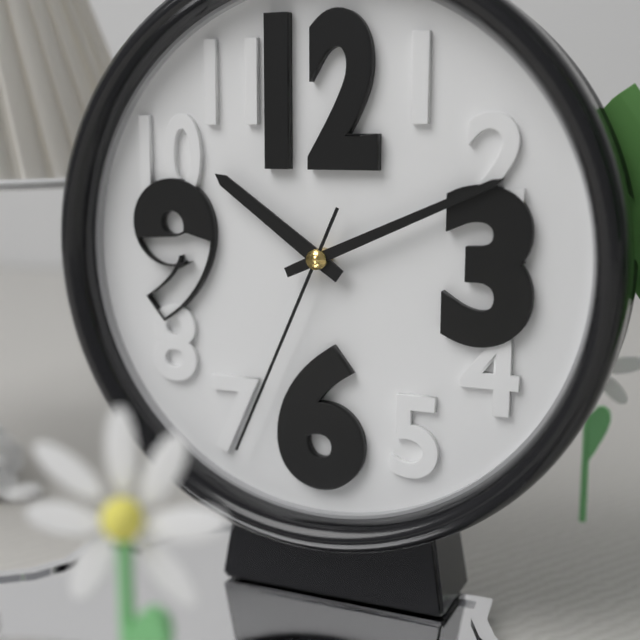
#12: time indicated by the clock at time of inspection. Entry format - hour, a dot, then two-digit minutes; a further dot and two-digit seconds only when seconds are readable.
10.11.34
